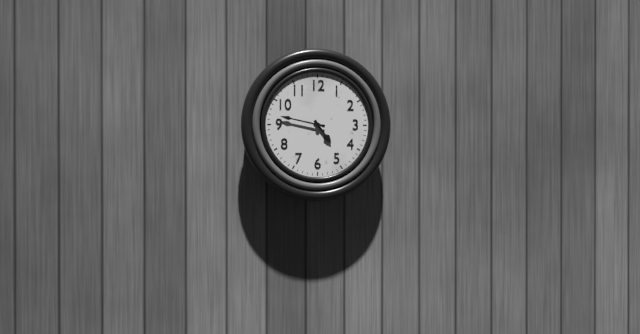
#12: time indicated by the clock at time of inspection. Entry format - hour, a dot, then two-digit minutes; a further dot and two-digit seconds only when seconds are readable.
4.47
